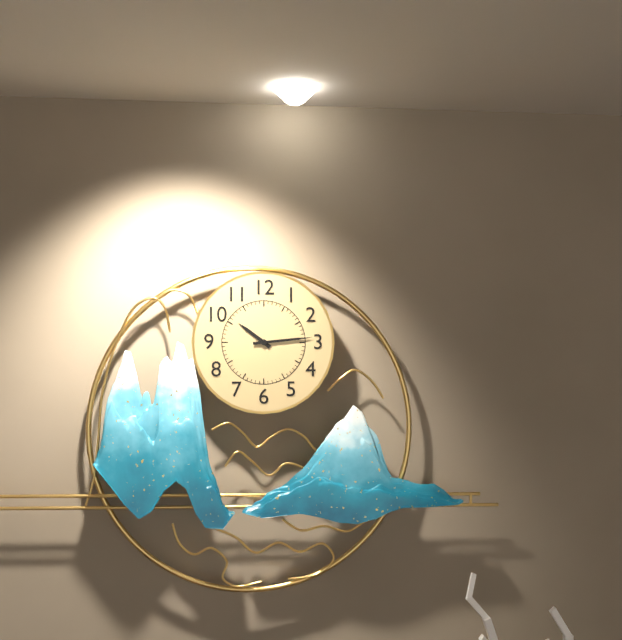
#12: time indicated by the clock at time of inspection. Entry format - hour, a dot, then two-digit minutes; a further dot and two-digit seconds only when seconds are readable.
10.14
